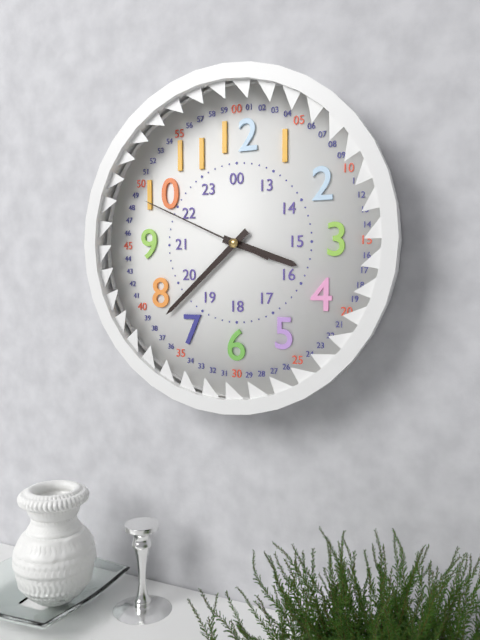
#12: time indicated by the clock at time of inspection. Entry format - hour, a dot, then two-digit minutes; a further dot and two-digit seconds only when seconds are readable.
3.38.49
